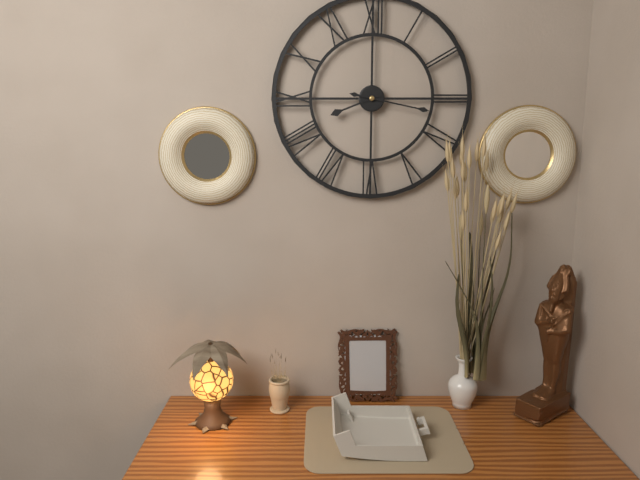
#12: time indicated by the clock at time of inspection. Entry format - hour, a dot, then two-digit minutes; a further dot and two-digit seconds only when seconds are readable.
8.17
